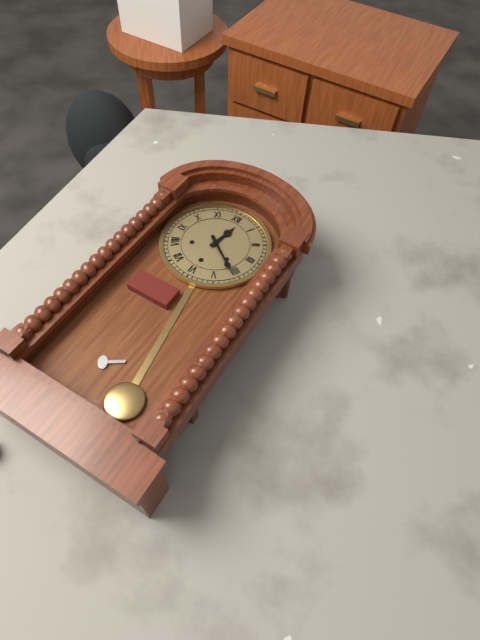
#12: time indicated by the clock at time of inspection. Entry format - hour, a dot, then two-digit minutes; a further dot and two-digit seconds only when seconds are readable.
12.21
